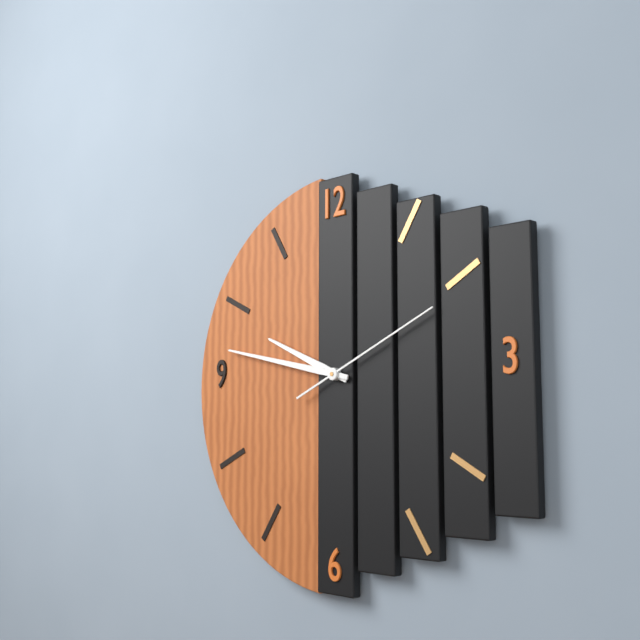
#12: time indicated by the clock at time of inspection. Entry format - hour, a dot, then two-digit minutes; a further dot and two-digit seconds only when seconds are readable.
9.47.11
